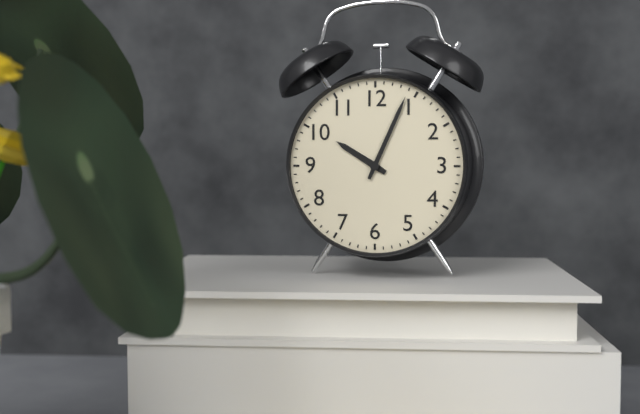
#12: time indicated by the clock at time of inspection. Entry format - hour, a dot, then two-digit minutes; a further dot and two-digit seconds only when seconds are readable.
10.04
